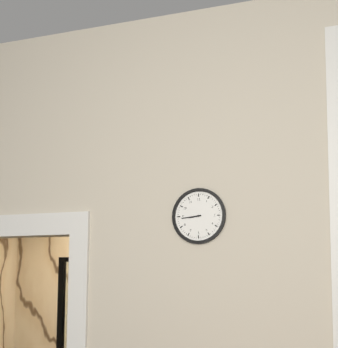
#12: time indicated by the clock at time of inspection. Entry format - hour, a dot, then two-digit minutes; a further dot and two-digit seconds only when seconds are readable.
8.44
